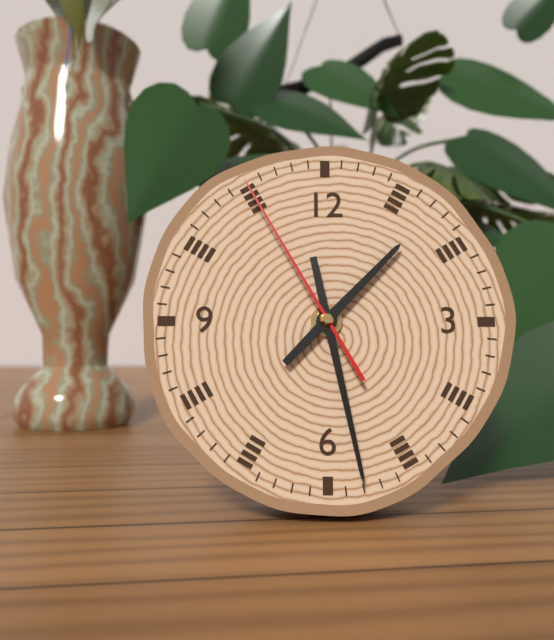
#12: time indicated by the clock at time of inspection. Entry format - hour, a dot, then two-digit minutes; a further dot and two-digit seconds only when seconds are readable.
1.28.55
